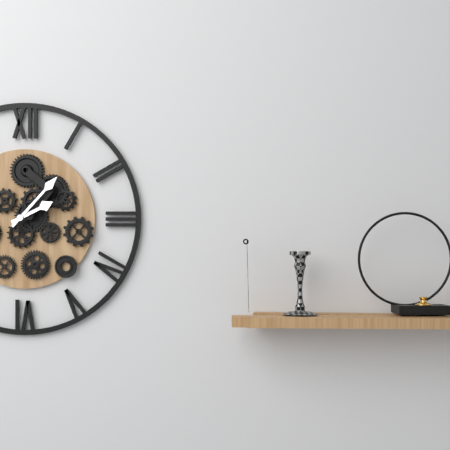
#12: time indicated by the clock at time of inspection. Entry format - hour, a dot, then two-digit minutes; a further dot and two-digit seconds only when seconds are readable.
2.07
